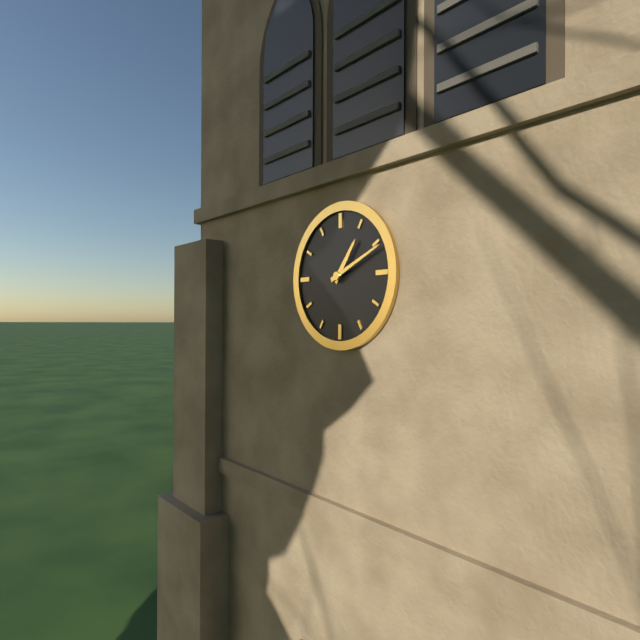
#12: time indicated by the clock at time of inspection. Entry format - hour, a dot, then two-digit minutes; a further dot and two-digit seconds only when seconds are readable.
1.11
